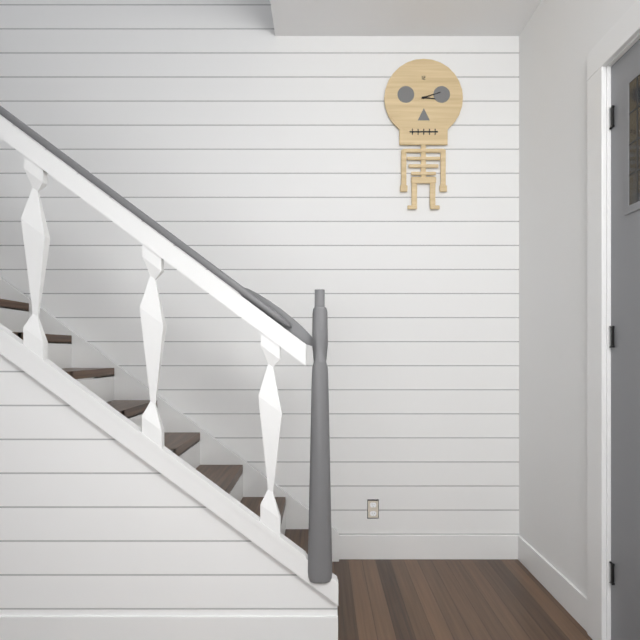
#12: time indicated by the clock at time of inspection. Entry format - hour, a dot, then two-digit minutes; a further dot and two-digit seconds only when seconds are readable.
3.12
